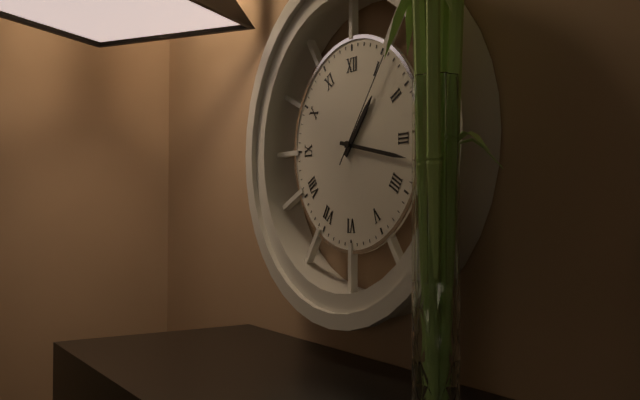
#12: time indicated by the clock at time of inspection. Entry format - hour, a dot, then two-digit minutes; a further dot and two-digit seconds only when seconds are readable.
1.17.06
